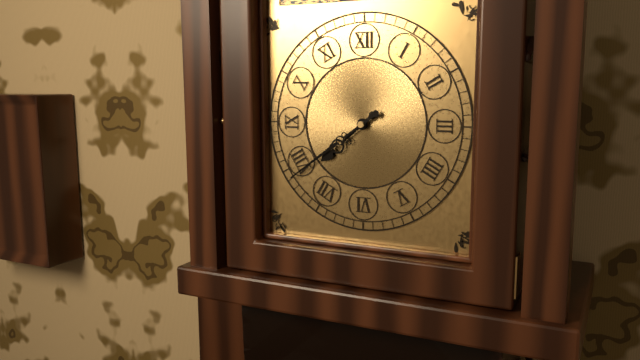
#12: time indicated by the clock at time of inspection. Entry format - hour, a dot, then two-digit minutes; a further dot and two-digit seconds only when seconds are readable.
7.39
